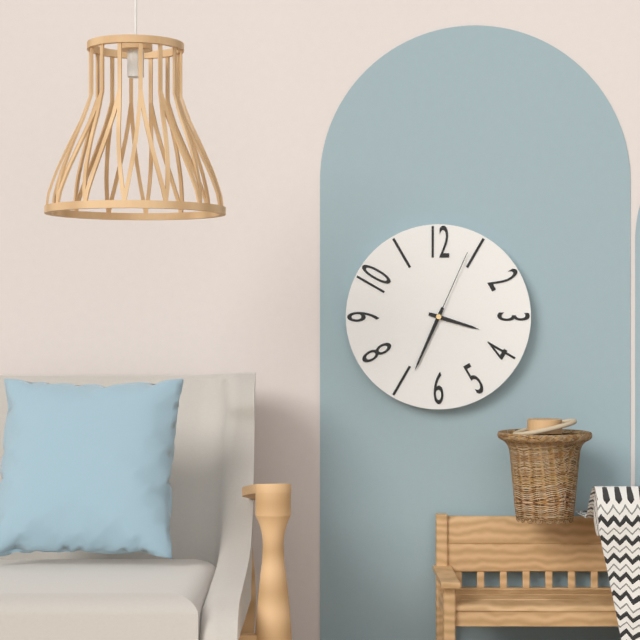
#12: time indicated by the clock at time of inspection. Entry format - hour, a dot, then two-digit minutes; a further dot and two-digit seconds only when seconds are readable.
3.34.04
